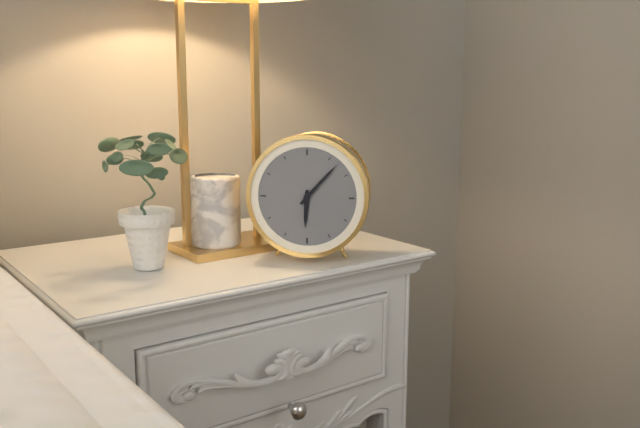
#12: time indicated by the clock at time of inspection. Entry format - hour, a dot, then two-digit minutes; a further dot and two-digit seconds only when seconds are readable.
6.07
